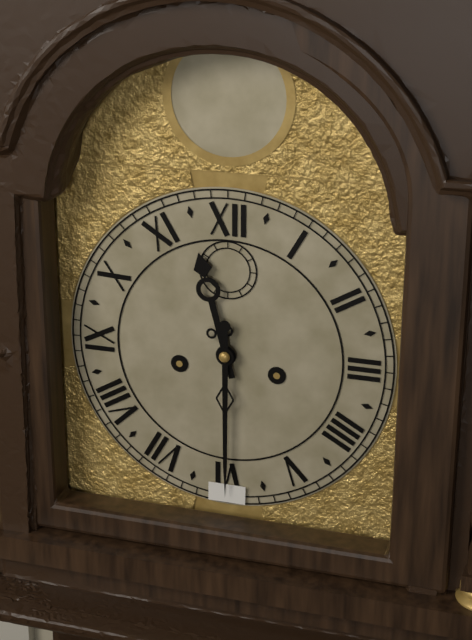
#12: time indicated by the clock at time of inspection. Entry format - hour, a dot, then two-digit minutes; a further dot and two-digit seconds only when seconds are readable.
11.30
